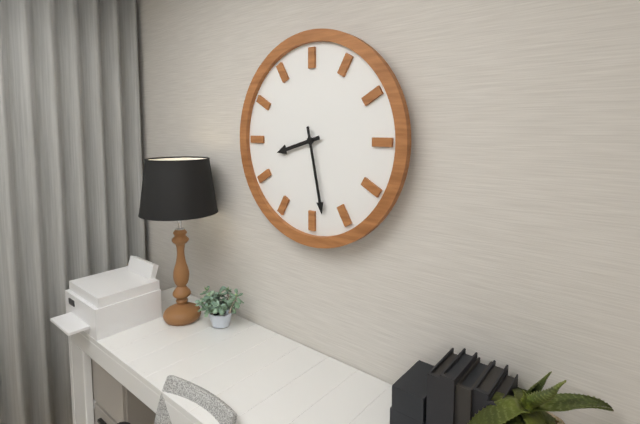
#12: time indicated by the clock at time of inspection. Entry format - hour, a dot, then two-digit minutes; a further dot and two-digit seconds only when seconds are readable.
8.28
